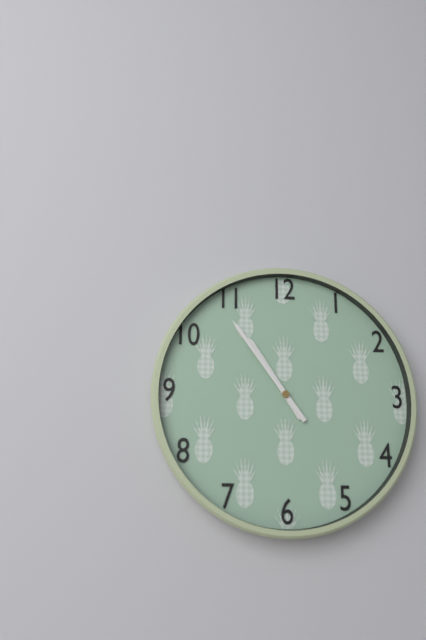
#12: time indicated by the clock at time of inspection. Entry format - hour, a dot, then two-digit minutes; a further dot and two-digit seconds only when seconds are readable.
10.54
